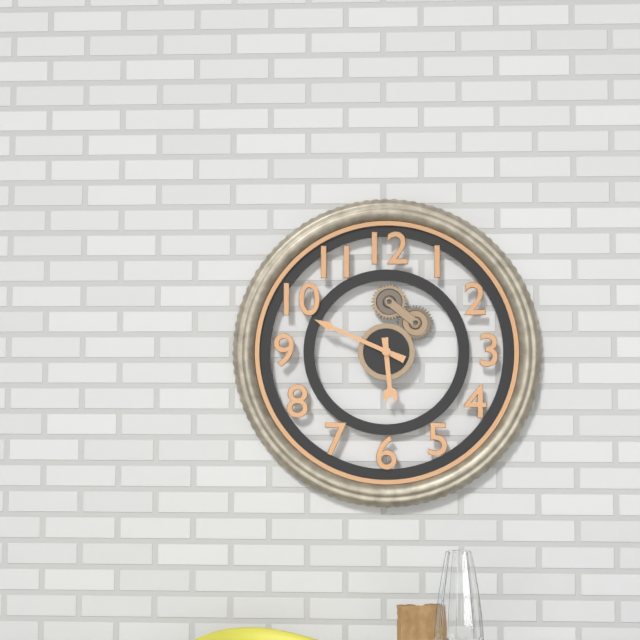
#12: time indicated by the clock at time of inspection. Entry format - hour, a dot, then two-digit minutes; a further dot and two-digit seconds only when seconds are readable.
5.49
